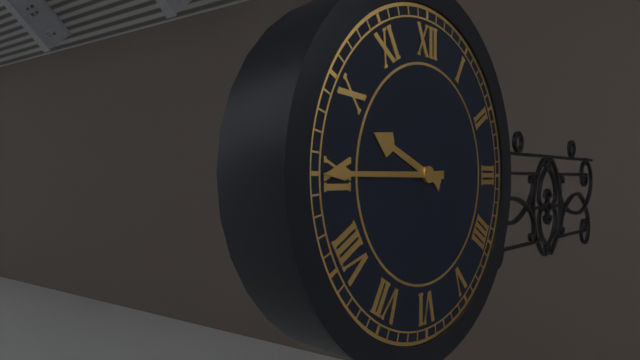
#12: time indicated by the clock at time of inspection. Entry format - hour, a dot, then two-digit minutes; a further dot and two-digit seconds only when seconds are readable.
9.45
